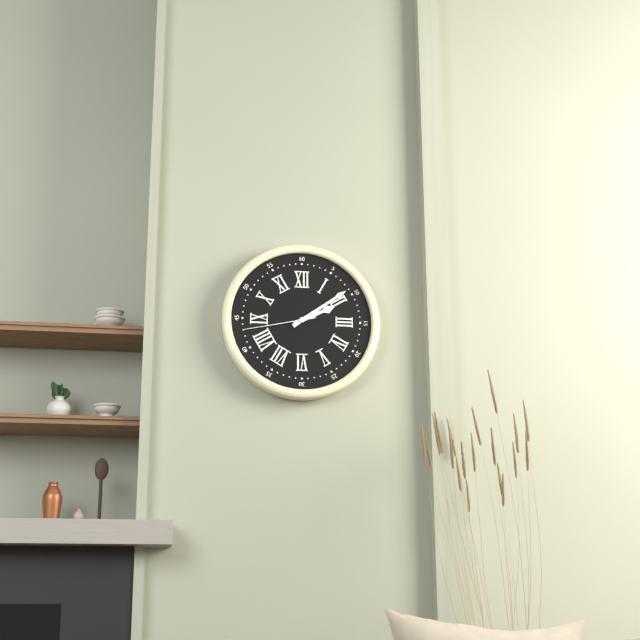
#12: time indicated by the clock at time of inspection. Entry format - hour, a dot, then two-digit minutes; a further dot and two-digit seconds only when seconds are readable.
2.09.43
